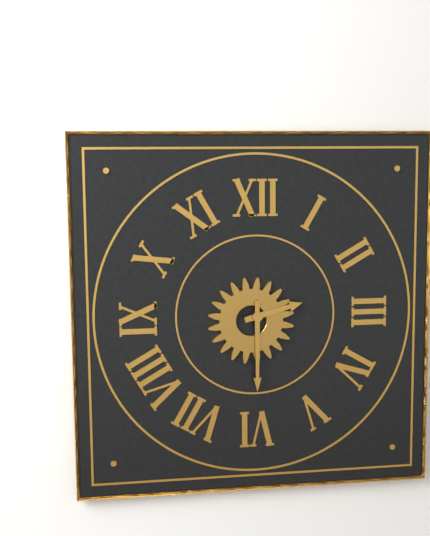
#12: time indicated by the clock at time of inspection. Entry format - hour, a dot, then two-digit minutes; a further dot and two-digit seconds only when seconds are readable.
2.30
